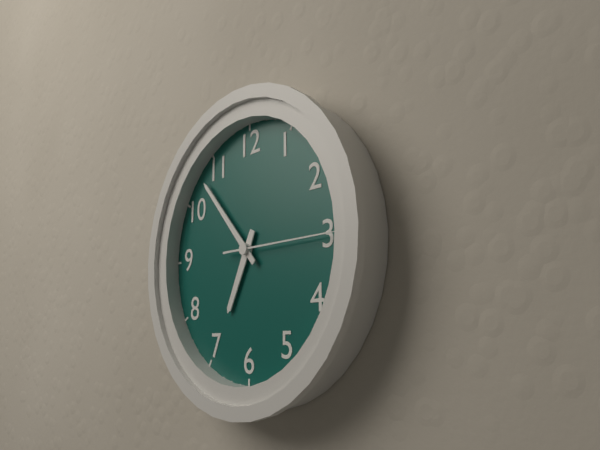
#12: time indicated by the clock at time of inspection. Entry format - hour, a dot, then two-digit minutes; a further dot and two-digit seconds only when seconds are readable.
6.53.15
